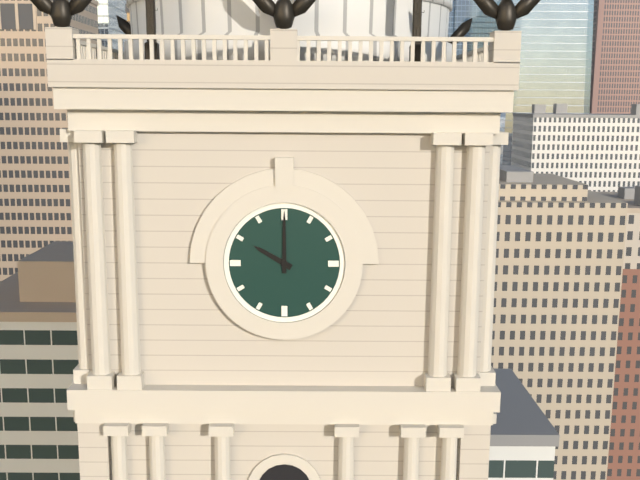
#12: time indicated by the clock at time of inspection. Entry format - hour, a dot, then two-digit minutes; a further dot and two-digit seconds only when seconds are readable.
10.00
